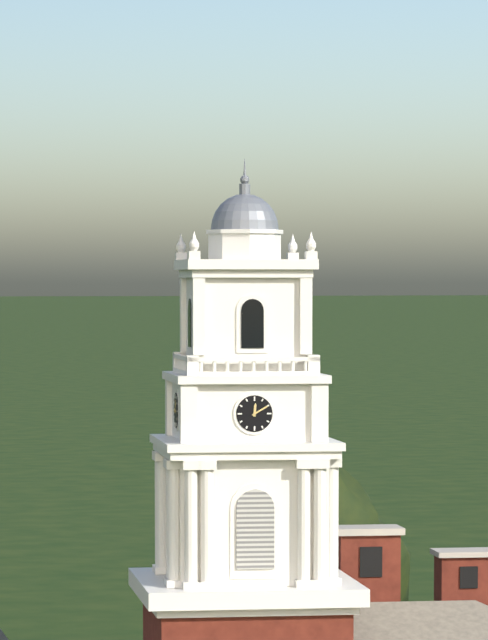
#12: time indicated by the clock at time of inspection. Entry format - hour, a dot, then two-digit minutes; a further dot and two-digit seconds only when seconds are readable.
12.10
